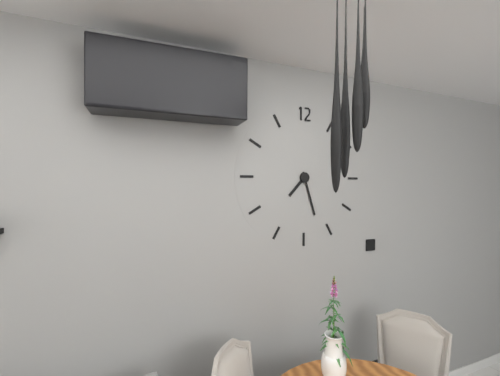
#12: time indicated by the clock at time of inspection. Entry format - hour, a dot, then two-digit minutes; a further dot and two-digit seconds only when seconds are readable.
7.27
